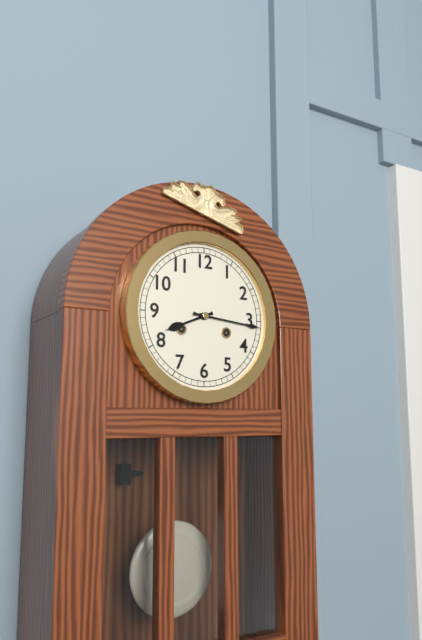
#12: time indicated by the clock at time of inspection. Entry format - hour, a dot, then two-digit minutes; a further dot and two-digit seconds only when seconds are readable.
8.16
